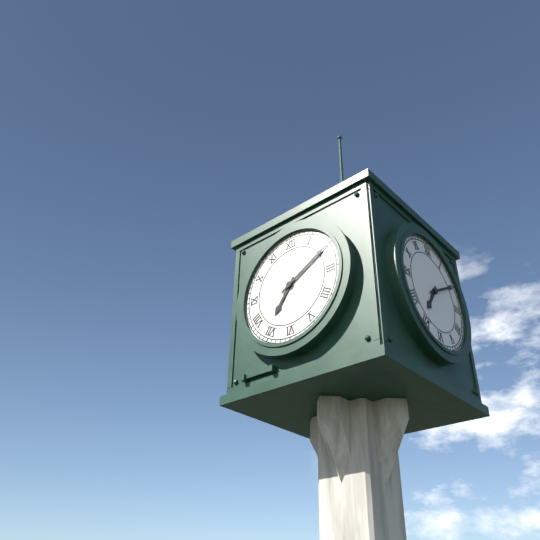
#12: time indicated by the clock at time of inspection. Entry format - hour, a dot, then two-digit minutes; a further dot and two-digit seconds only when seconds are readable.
7.10
